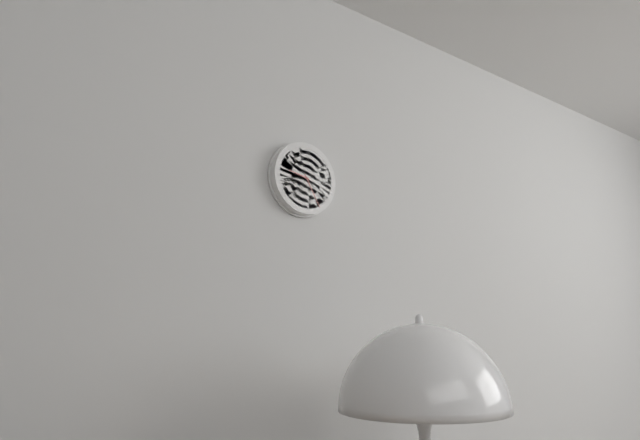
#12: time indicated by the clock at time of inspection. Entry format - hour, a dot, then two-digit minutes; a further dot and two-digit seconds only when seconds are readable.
9.25
